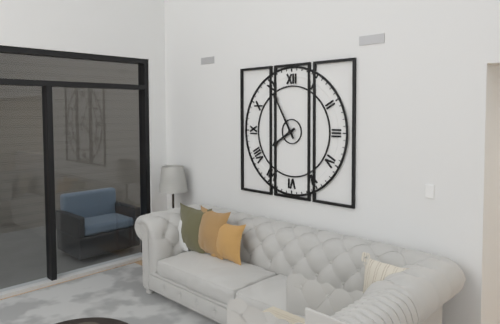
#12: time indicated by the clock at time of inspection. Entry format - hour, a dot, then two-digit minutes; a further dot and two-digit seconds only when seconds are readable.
7.55
